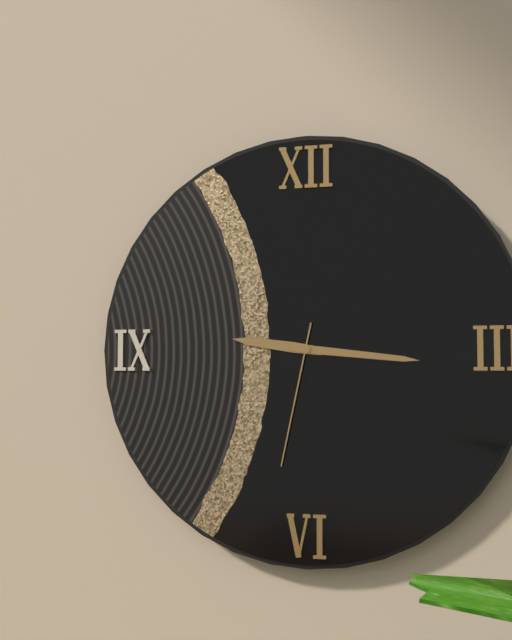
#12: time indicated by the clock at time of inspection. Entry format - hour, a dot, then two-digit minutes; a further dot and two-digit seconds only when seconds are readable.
9.16.32
